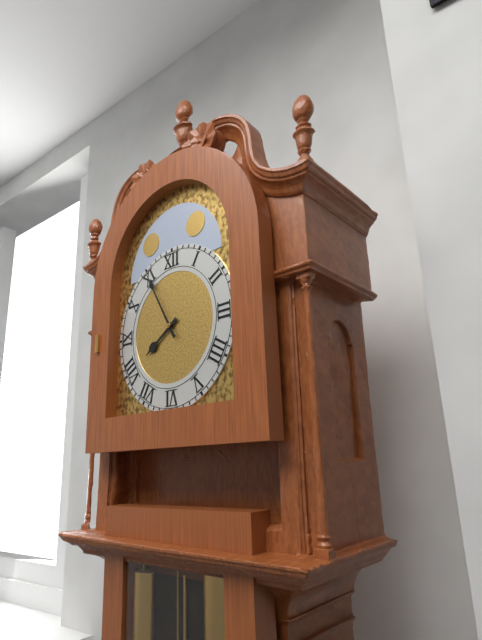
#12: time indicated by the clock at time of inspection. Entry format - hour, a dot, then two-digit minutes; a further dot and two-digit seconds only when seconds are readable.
7.55
